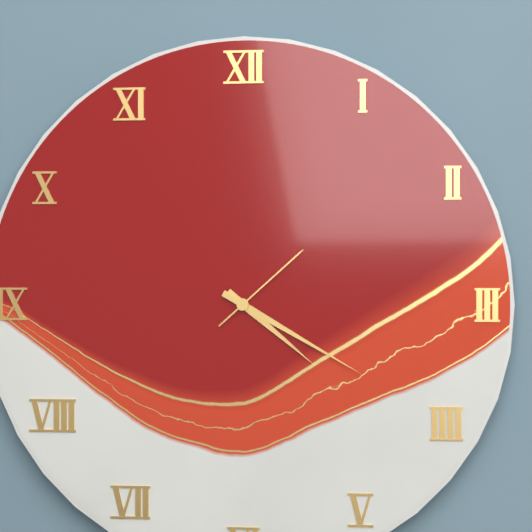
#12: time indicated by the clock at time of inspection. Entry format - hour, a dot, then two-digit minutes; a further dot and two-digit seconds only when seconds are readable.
4.20.08
